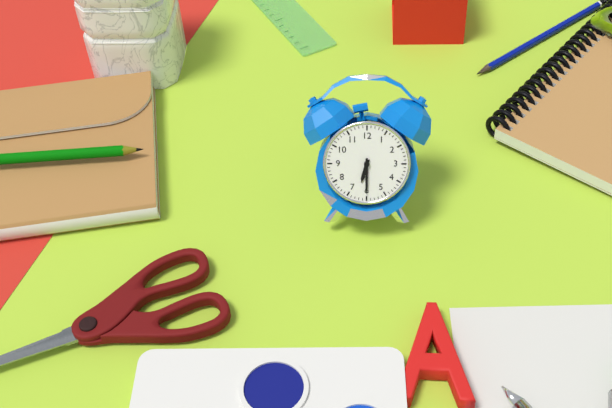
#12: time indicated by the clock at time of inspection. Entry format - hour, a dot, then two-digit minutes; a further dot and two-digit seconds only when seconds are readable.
6.30
